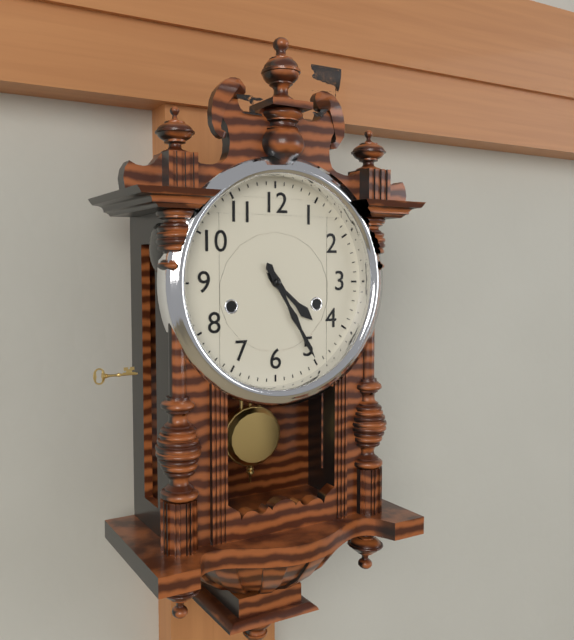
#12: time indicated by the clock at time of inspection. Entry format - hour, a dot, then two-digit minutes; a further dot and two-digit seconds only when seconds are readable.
4.25
